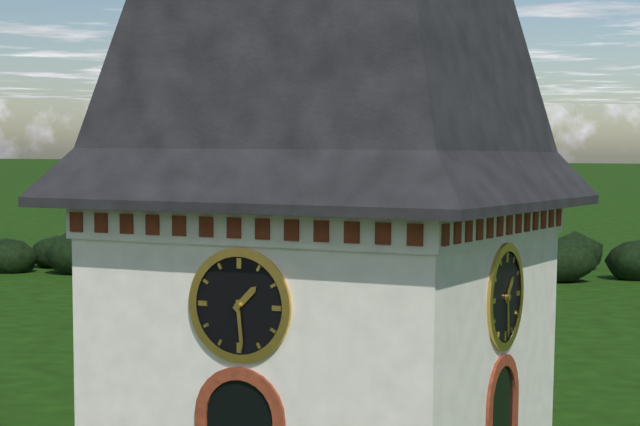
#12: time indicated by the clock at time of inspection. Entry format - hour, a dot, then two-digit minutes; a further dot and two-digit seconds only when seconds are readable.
1.29
